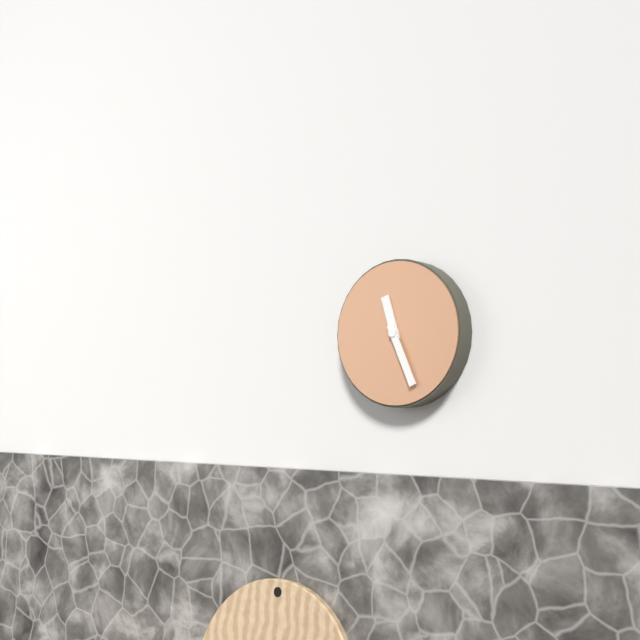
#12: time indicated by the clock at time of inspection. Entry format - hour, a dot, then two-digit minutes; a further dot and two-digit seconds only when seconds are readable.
11.26
